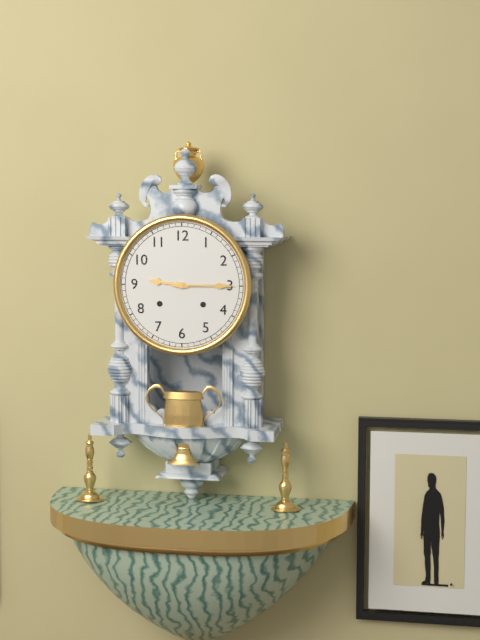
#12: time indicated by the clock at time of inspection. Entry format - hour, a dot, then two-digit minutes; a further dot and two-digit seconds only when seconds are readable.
9.15
